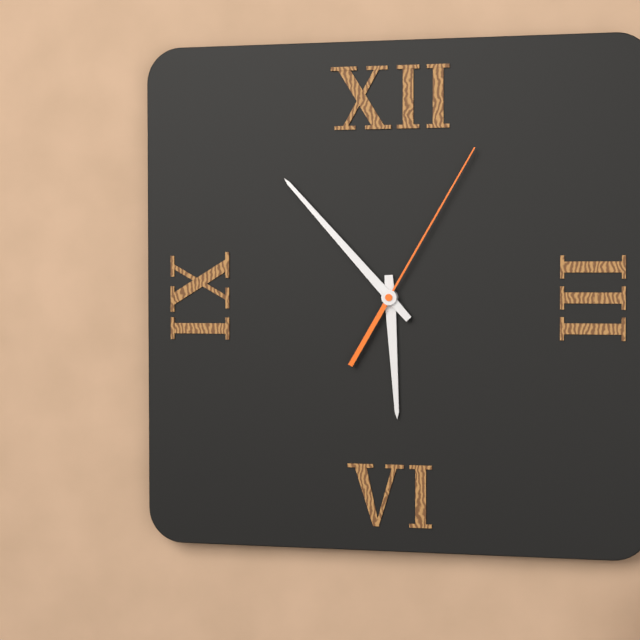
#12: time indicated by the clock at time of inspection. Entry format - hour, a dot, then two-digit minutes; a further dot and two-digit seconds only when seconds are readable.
5.53.05
